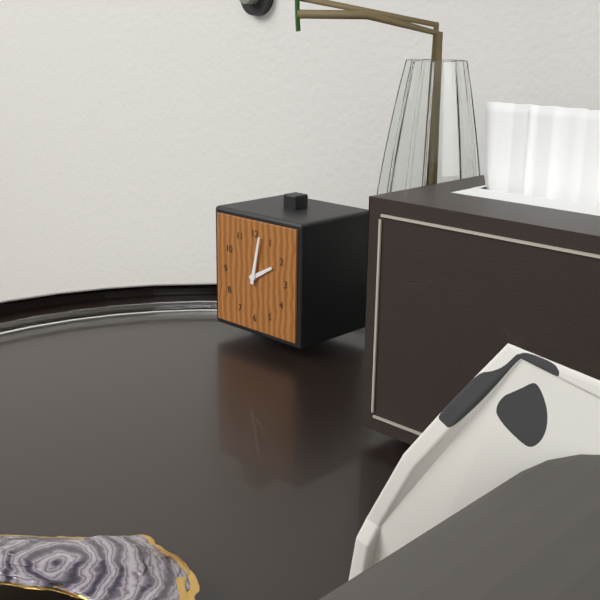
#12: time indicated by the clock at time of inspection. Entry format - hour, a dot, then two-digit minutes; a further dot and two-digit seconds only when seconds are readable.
2.02
